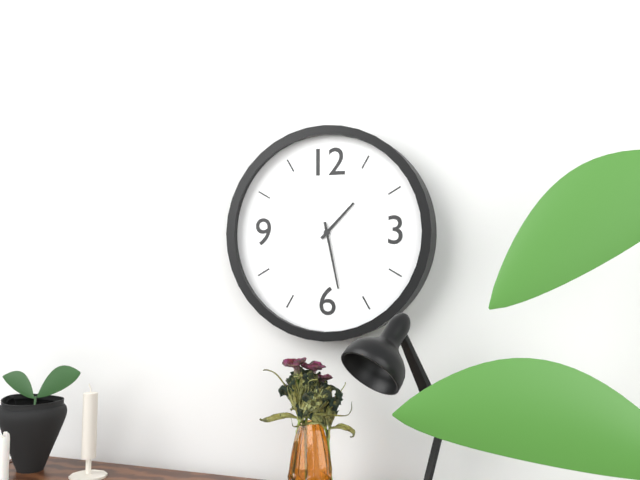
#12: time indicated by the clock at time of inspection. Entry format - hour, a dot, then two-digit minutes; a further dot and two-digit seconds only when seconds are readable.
1.28
